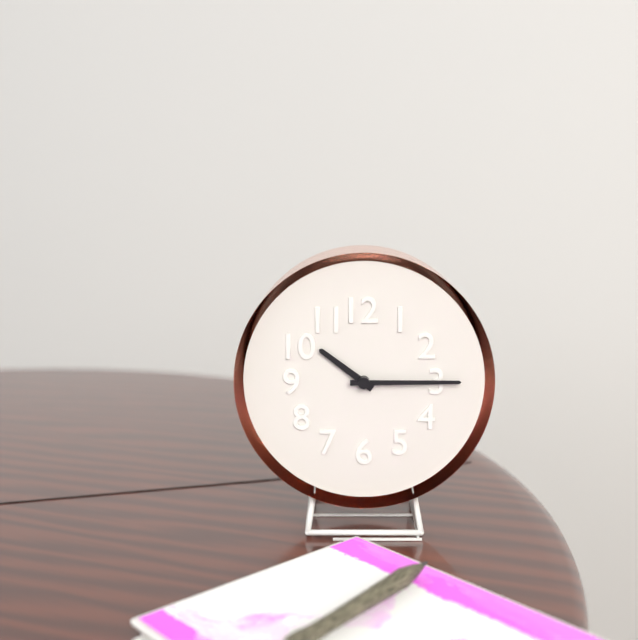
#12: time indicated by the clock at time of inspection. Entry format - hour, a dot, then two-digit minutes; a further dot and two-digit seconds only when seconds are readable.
10.15
